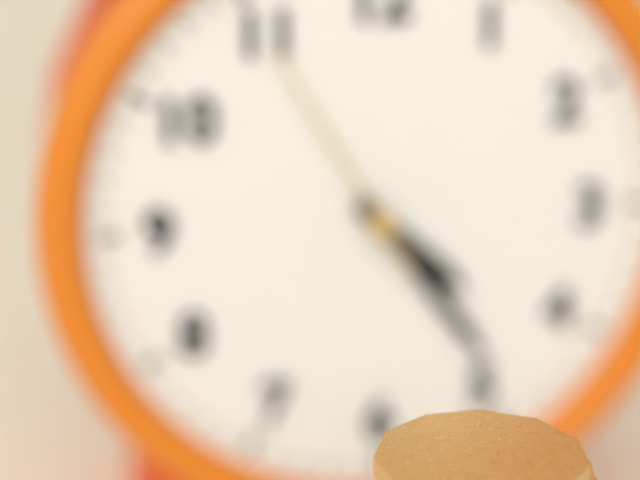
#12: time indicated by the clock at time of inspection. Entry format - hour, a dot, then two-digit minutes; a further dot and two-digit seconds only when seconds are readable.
4.24.55
